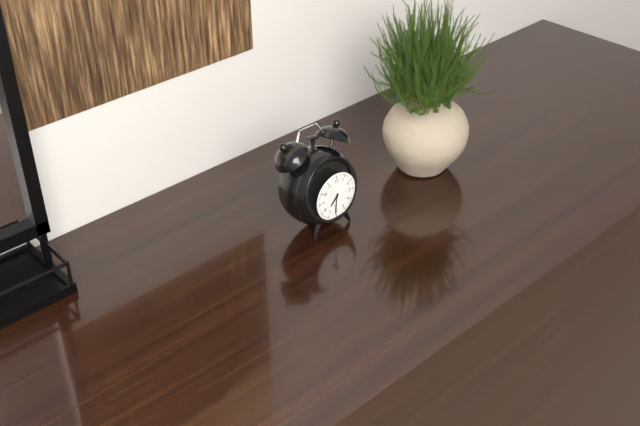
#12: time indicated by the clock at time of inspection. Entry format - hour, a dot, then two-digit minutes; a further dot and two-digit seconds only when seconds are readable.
7.31
